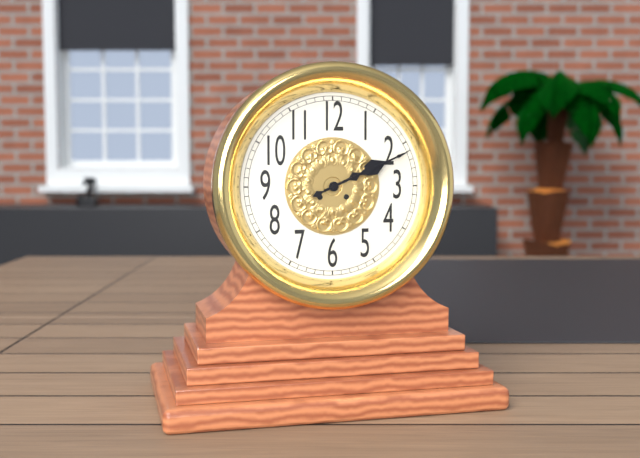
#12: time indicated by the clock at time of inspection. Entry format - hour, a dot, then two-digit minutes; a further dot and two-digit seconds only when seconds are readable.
2.11
